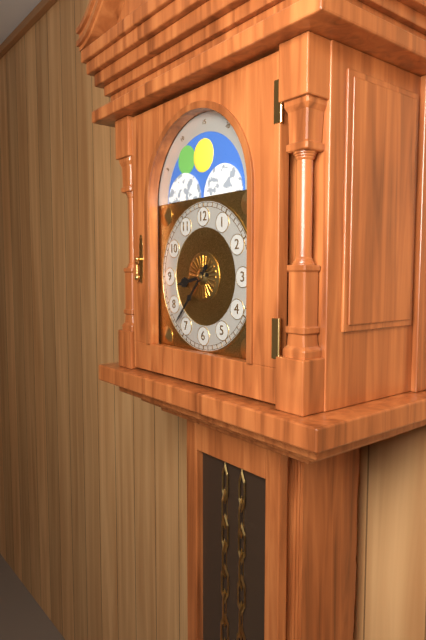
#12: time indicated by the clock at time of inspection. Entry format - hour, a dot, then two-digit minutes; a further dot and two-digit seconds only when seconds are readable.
8.37
